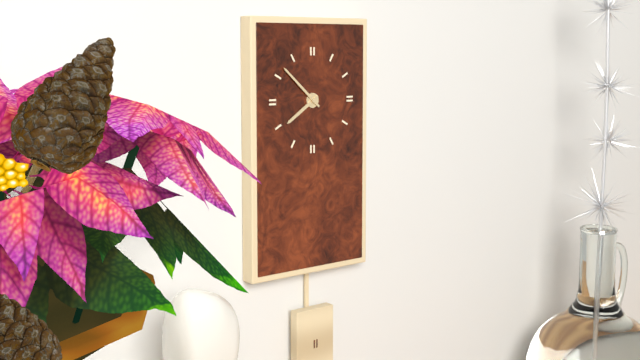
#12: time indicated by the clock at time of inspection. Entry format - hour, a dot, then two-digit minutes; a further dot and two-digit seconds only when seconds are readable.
7.52
